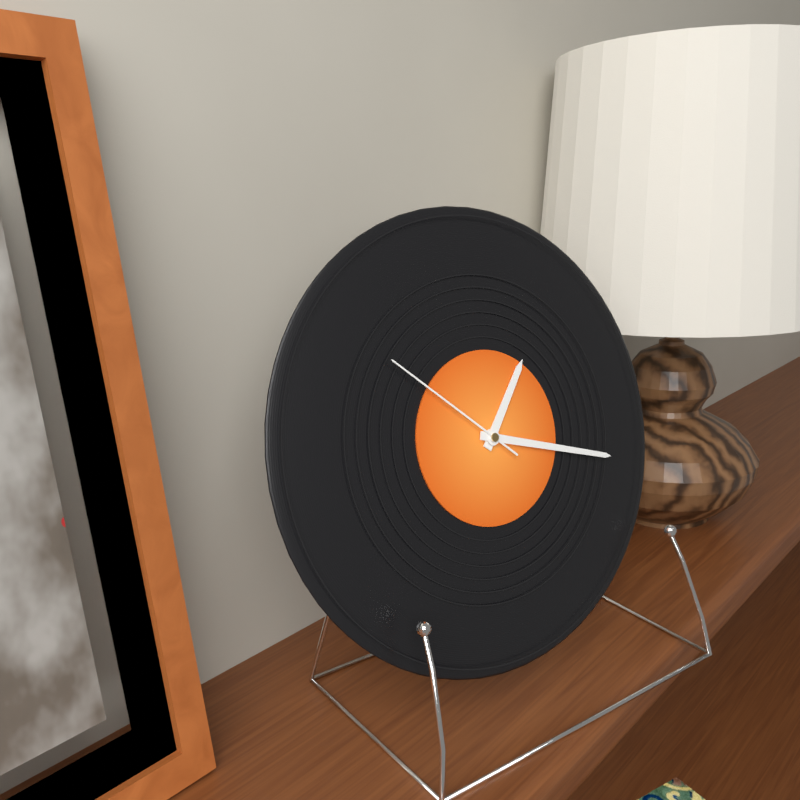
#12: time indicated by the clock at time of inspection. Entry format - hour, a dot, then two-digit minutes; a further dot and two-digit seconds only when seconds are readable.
1.18.52
